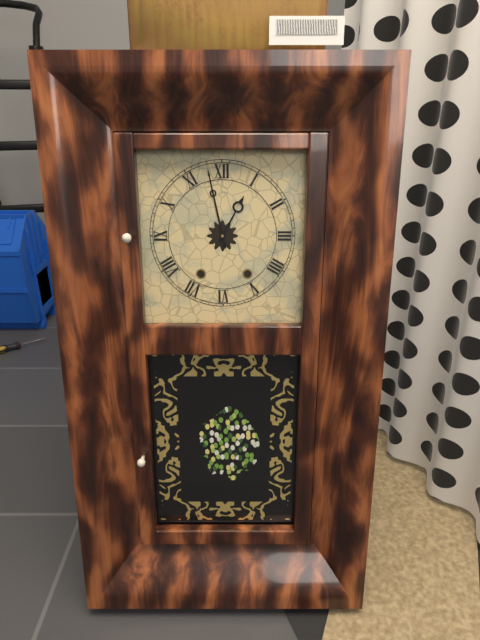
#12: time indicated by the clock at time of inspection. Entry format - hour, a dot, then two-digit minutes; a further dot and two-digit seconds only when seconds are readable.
12.58
